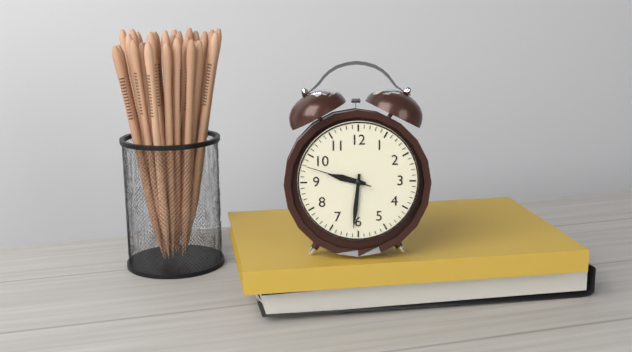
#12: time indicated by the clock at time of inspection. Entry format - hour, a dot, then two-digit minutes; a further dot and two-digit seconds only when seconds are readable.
9.31.48
